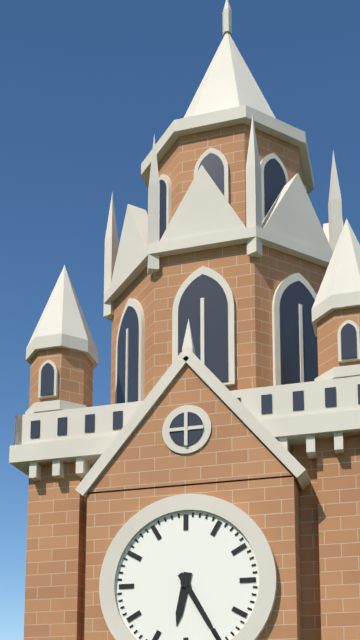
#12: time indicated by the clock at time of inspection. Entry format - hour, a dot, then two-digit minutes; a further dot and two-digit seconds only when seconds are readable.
6.25
